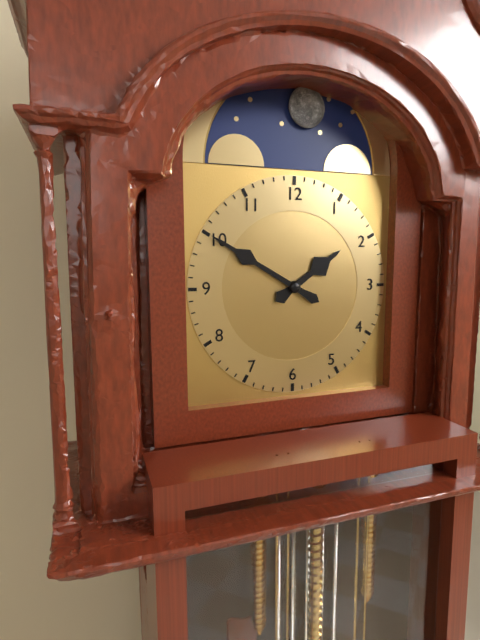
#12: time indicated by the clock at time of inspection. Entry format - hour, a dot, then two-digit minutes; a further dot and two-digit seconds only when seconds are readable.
1.50
